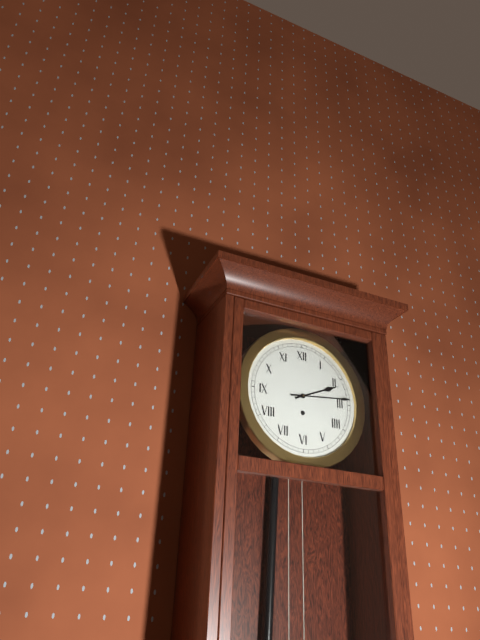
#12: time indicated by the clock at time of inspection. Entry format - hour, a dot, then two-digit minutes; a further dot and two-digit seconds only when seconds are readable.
2.14
